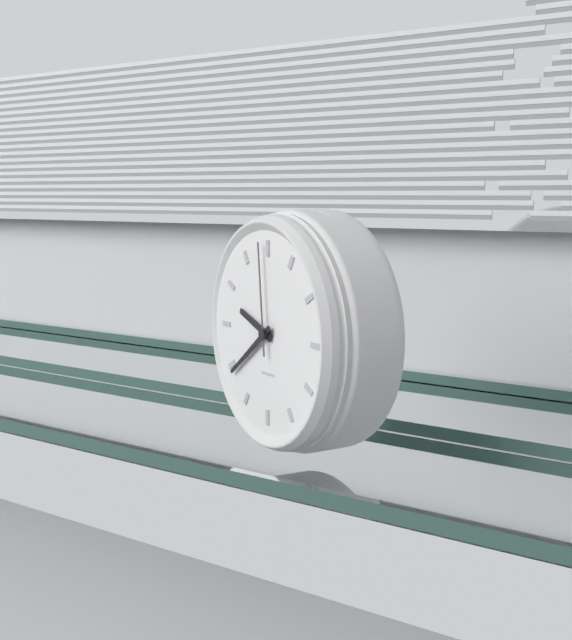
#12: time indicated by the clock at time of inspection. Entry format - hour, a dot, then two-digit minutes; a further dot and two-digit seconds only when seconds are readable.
9.39.59
